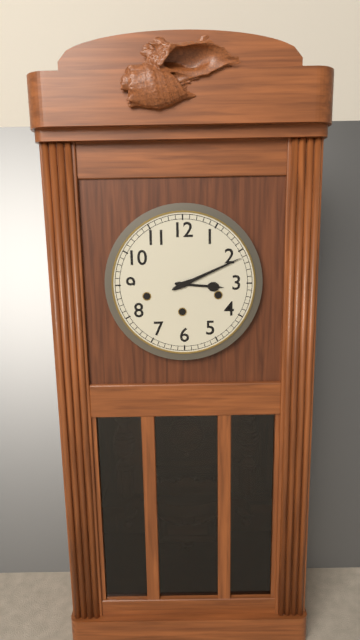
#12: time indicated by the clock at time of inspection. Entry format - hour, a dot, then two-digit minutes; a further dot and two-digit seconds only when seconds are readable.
3.11
